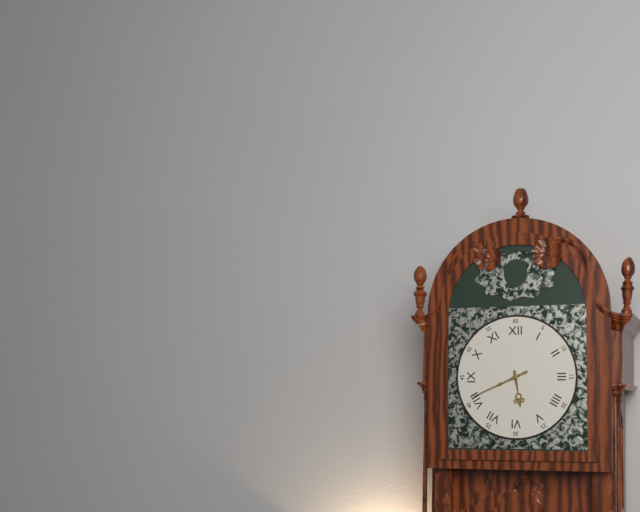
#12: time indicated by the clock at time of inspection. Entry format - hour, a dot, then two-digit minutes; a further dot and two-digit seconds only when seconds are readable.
5.41
